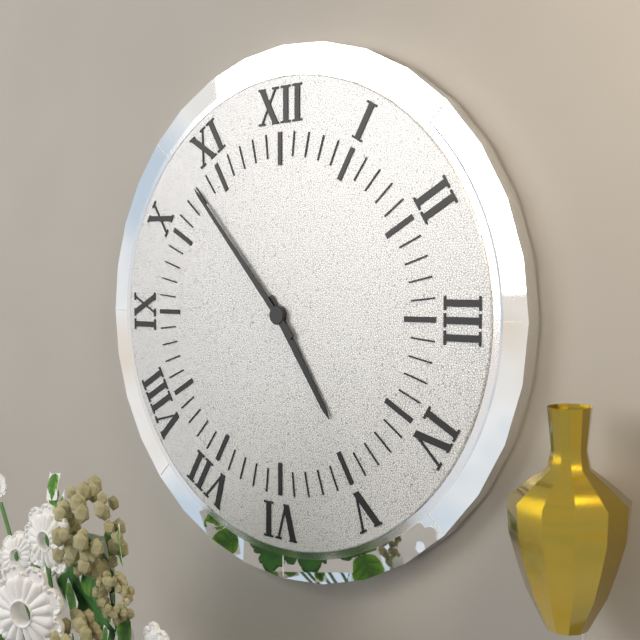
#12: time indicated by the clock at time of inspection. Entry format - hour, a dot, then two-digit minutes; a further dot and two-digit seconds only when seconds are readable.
4.53
